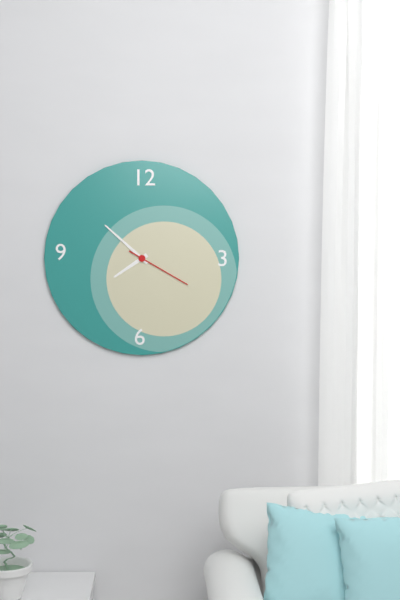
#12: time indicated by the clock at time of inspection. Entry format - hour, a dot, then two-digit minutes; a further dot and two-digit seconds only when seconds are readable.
7.52.20
